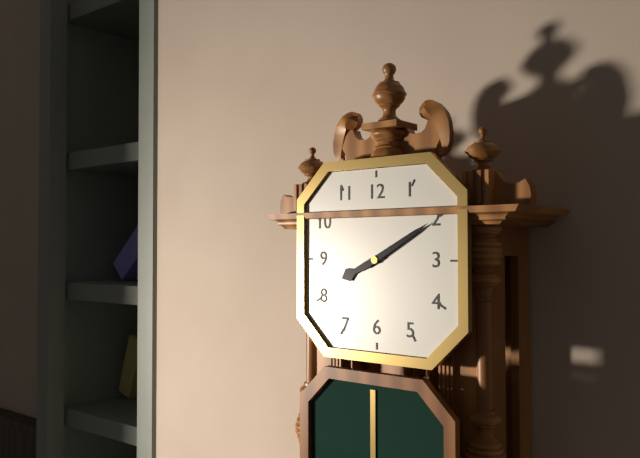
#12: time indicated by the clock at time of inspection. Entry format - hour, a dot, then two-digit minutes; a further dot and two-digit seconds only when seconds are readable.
8.10
